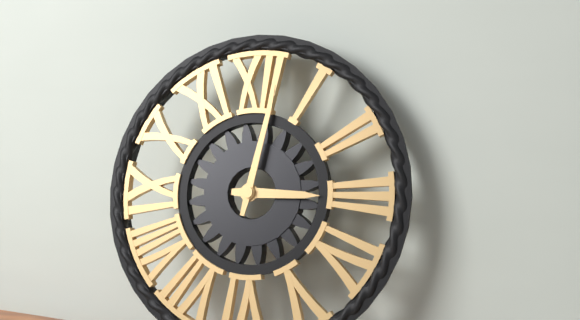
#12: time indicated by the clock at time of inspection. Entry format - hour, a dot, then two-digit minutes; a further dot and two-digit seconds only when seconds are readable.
3.02
